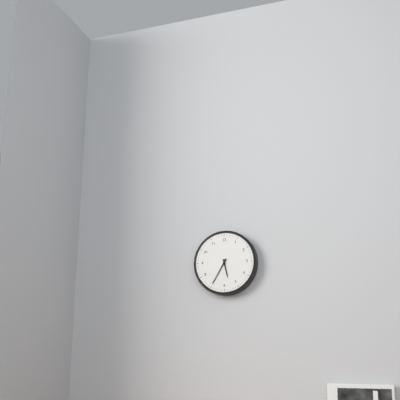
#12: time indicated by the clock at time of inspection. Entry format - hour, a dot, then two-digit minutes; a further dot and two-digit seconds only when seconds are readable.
5.35
